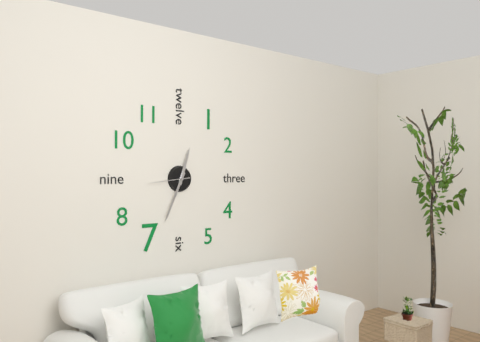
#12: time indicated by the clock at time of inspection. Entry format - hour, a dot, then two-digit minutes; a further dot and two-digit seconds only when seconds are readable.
12.34
